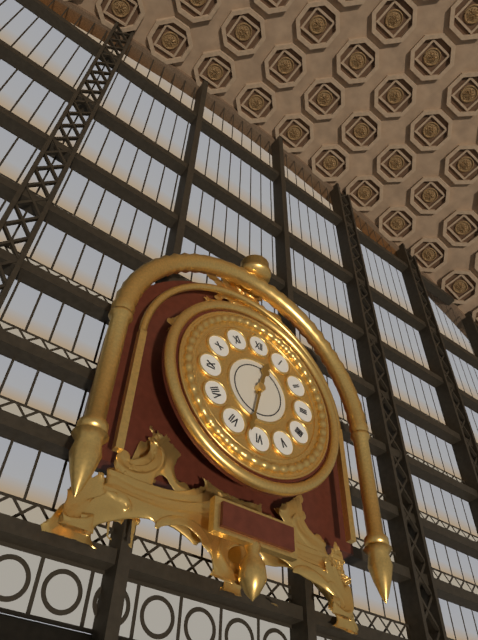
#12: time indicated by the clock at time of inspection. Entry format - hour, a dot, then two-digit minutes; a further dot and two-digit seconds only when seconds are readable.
12.32
